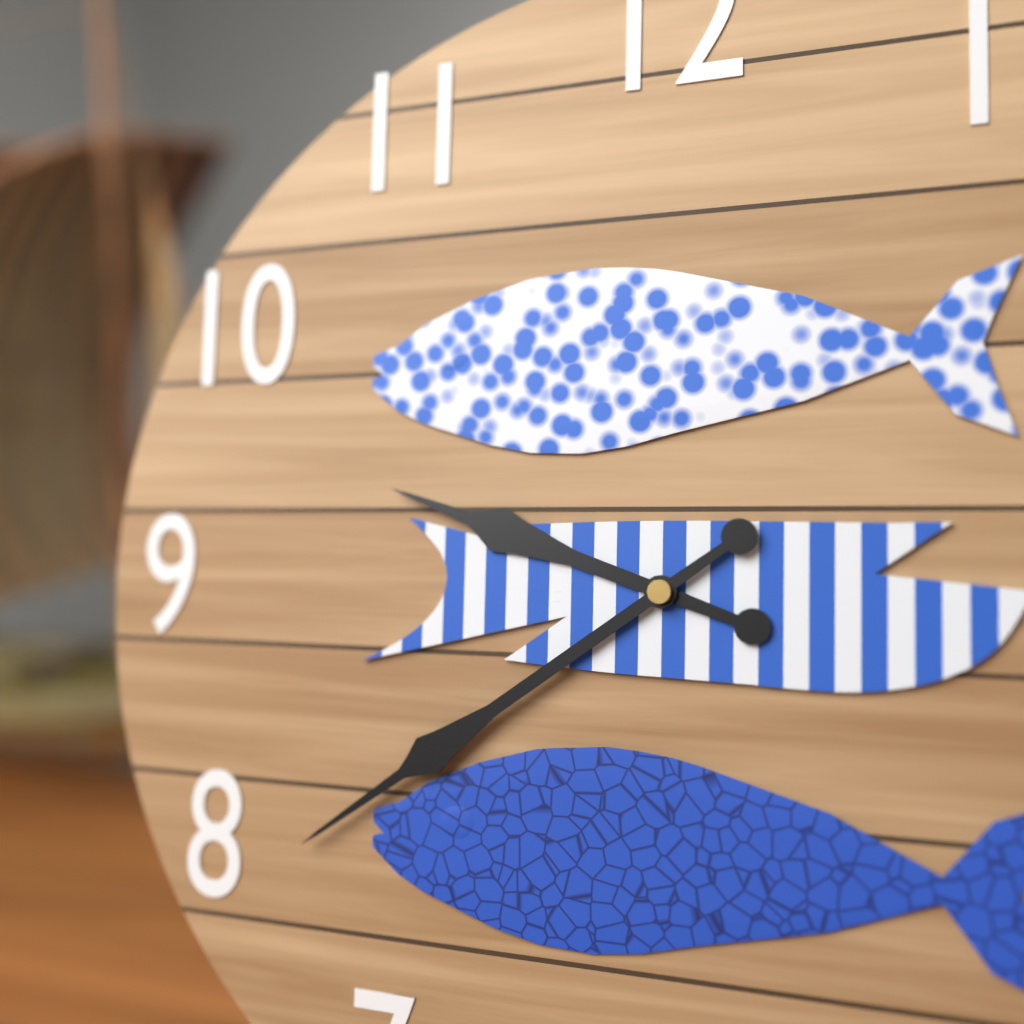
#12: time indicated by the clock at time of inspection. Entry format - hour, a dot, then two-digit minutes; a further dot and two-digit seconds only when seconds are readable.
9.39
